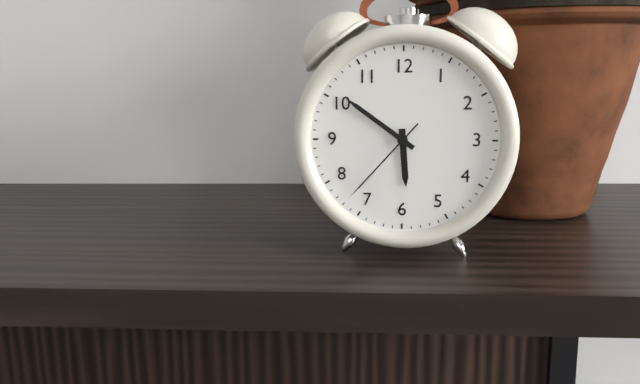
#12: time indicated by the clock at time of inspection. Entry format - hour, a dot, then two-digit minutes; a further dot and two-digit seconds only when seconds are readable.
5.51.37
